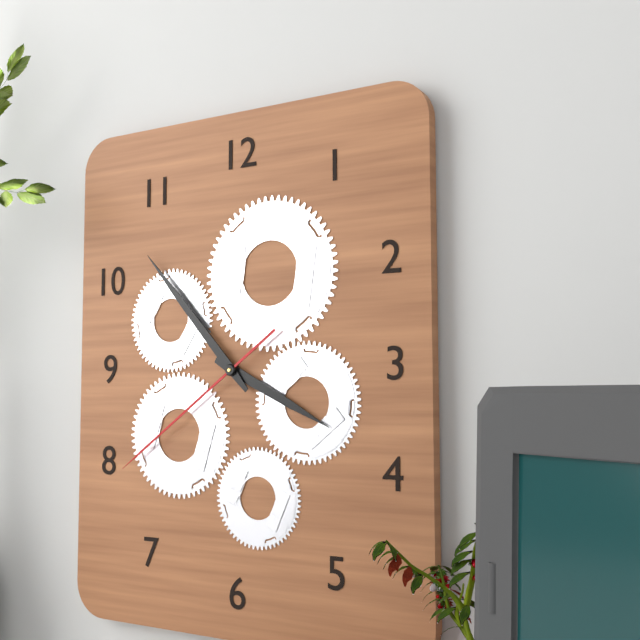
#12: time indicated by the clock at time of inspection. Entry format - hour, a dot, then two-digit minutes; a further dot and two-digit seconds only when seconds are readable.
3.53.39
